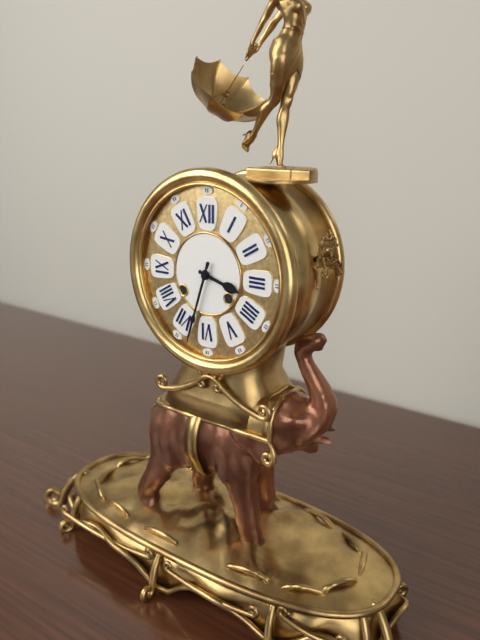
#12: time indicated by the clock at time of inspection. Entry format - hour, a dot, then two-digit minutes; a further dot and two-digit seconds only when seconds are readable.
3.33
